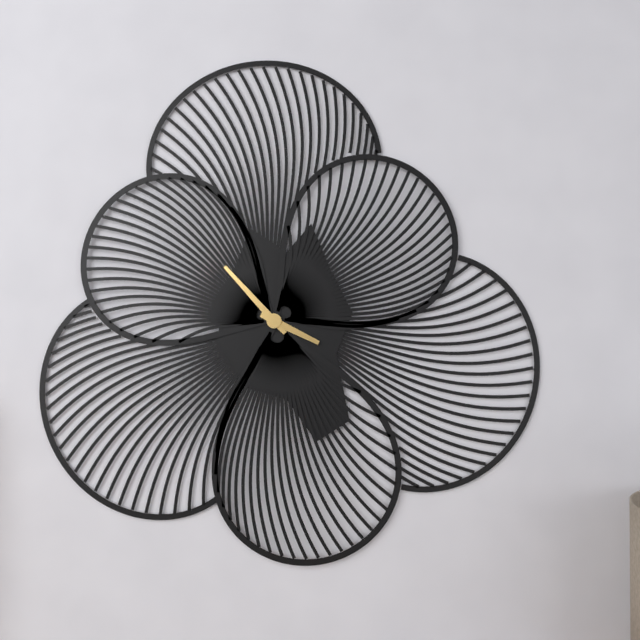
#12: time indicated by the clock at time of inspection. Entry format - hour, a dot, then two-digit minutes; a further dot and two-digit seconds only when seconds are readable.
3.53
